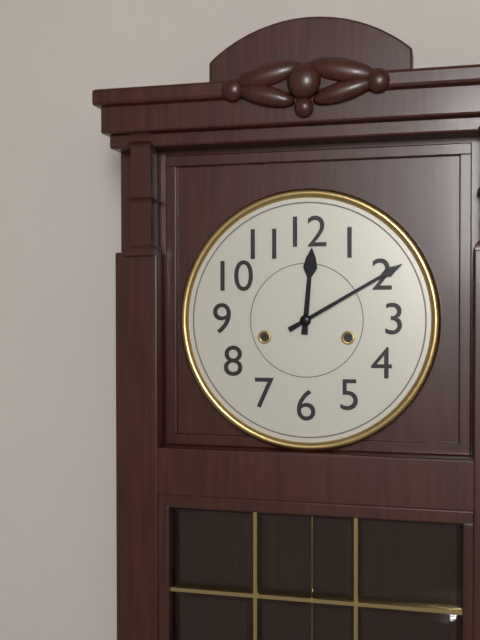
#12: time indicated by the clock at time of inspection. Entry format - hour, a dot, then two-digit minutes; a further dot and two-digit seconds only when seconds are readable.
12.10
